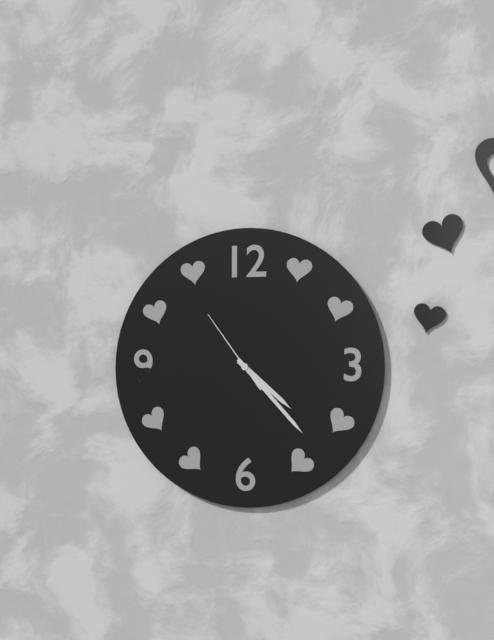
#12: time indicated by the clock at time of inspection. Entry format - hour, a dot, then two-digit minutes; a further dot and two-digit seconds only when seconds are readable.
4.23.54
